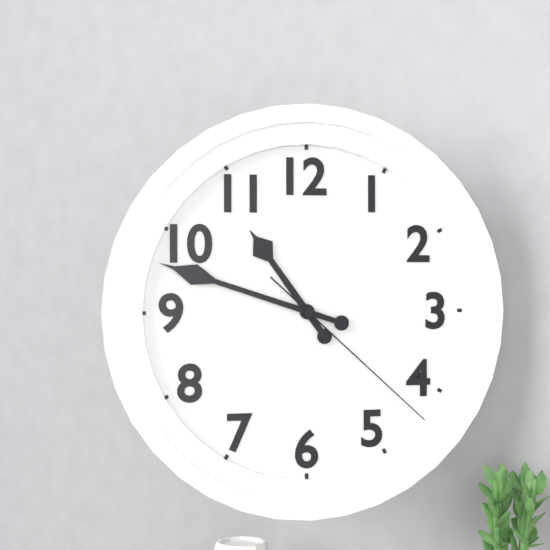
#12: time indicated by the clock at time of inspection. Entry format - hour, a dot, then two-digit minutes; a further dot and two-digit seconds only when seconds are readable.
10.48.22
